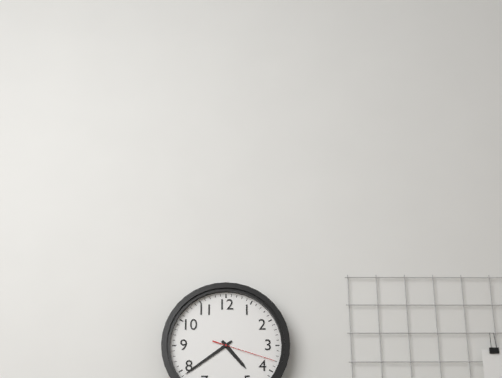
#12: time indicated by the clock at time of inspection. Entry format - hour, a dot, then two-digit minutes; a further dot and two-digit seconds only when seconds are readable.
4.39.18
